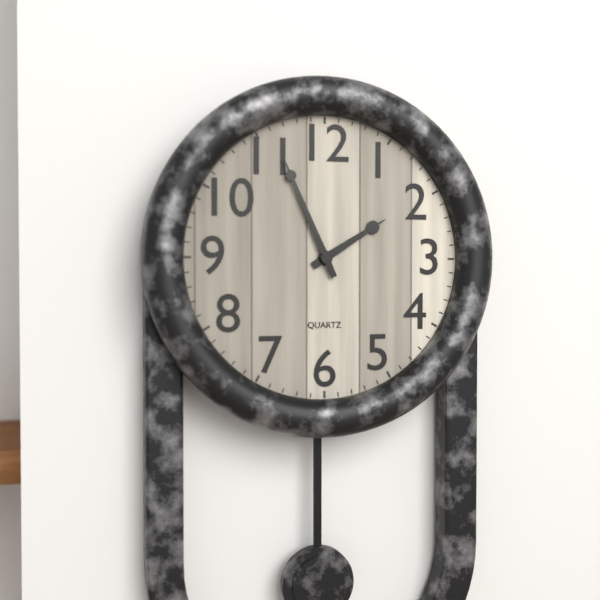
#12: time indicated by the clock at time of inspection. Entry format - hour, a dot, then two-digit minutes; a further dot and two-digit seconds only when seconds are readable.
1.56
